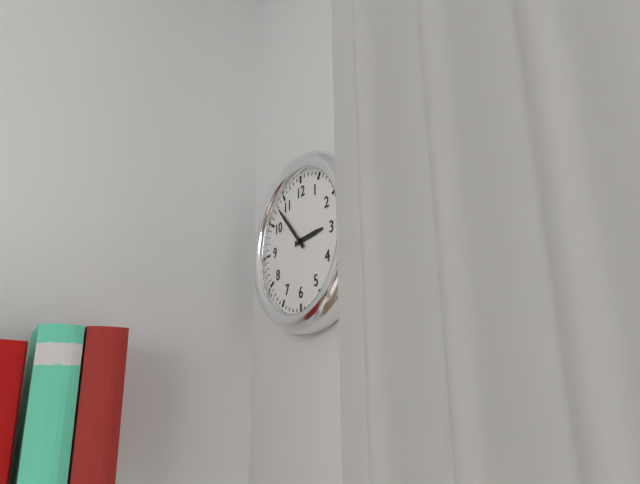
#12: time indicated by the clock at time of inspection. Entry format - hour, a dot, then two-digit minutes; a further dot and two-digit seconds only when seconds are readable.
2.53
